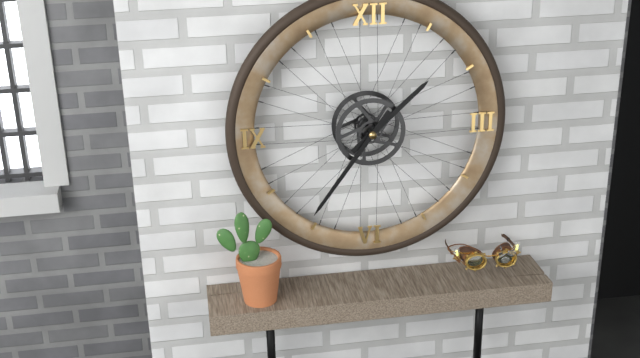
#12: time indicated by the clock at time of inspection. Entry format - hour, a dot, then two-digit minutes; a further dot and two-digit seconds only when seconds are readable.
1.36
